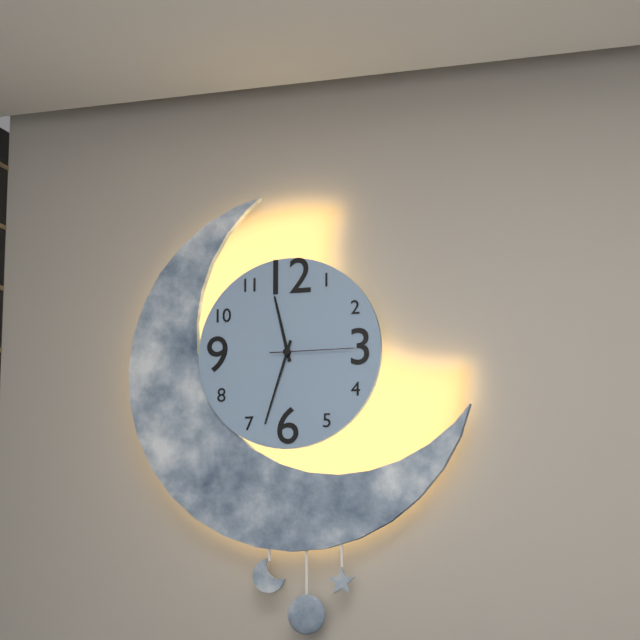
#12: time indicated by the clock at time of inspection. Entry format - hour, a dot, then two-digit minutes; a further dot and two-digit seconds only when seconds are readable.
11.33.15
